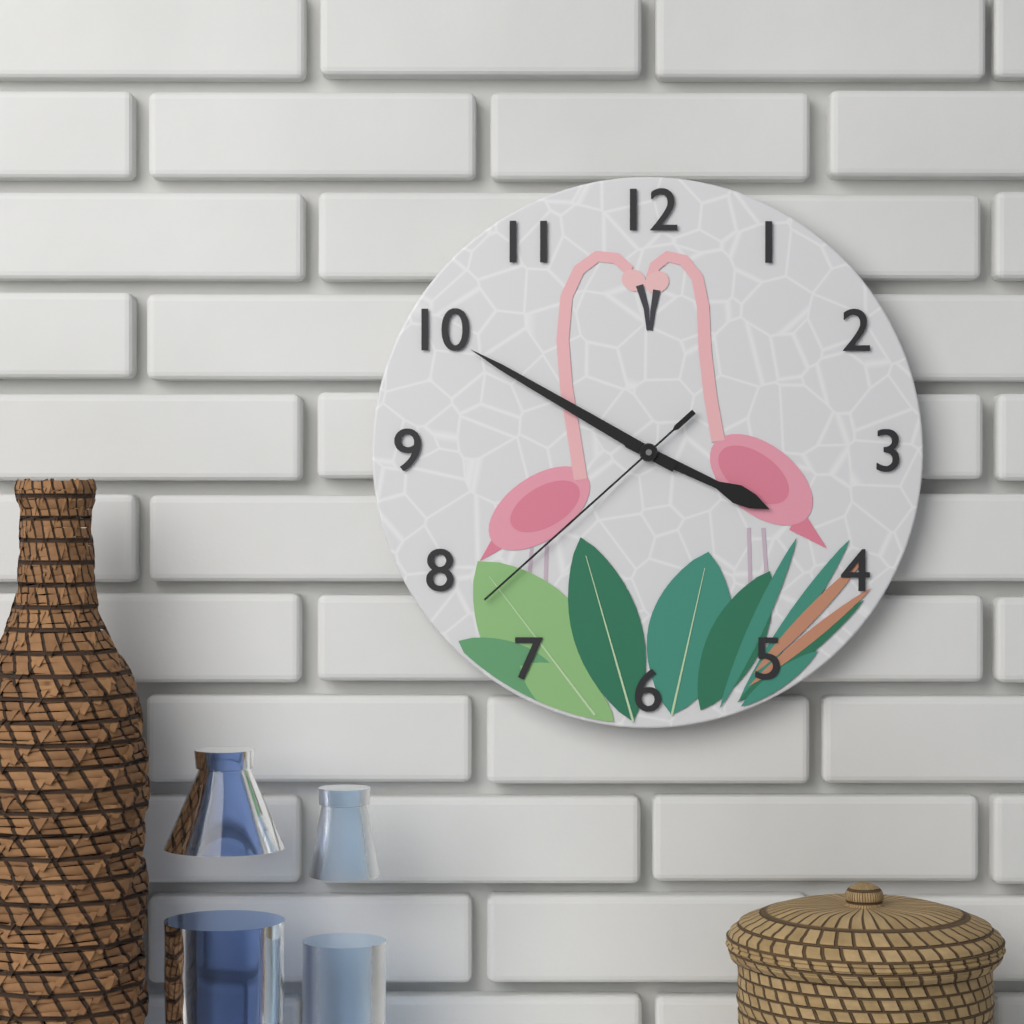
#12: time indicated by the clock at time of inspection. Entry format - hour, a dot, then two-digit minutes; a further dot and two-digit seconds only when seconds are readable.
3.50.38
